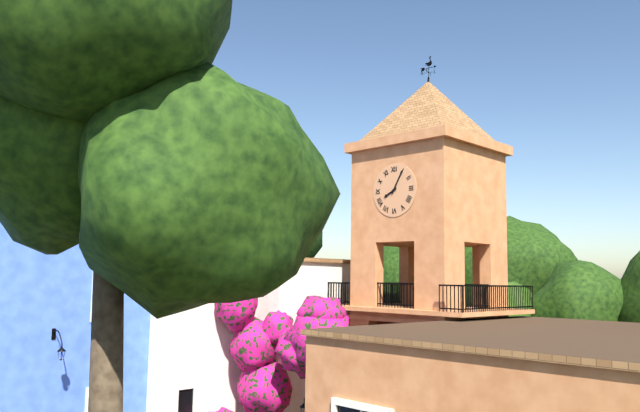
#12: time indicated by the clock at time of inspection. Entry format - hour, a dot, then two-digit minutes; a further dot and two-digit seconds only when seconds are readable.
8.05
